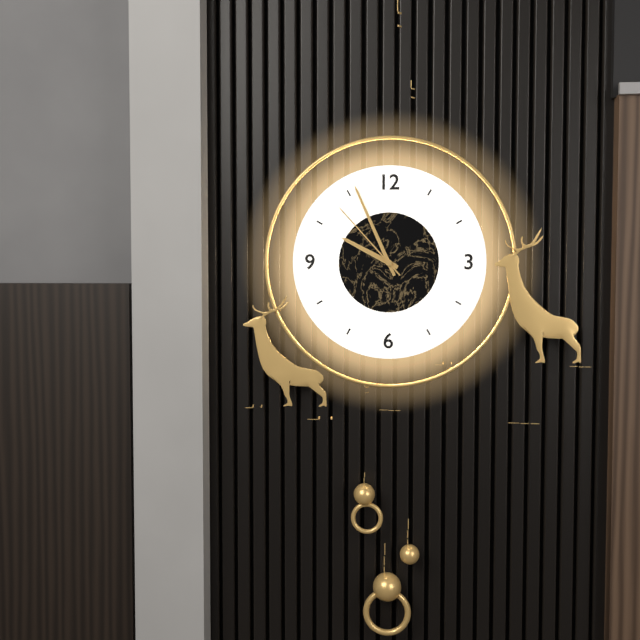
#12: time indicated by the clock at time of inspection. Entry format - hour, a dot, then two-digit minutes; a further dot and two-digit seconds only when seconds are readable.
9.56.53
